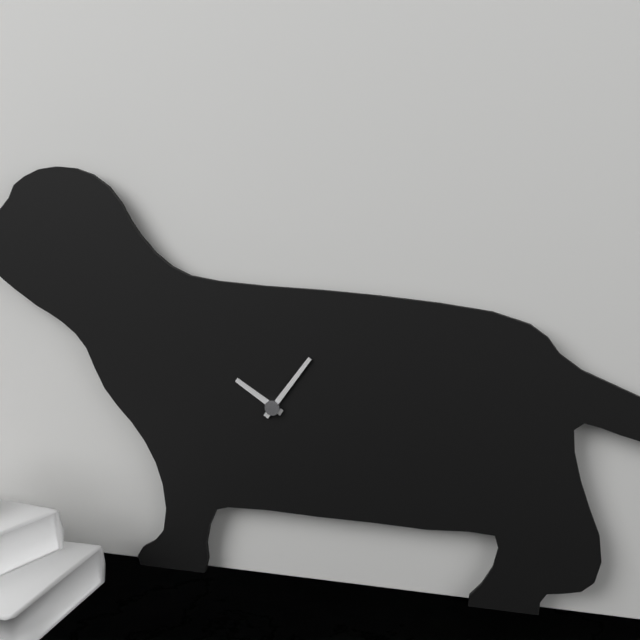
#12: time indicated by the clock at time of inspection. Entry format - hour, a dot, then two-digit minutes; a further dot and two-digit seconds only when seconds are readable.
10.06
